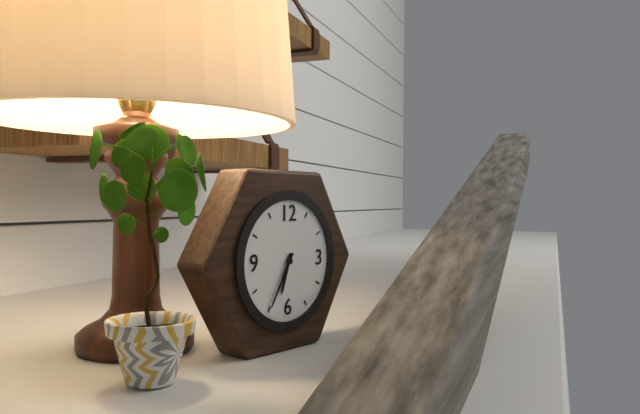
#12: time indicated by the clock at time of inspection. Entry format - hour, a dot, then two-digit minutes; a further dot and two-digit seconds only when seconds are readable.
6.35
